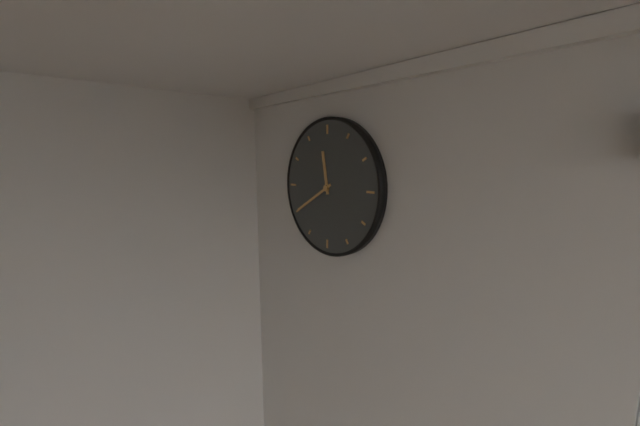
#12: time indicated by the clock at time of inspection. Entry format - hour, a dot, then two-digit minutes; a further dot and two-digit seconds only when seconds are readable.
11.40
